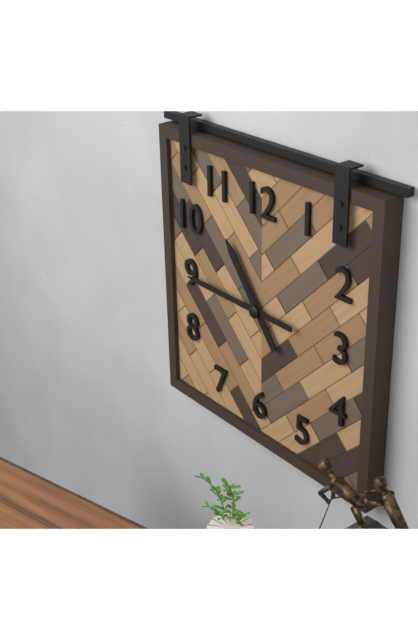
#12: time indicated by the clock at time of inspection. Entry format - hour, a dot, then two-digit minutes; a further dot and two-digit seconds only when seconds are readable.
10.45
